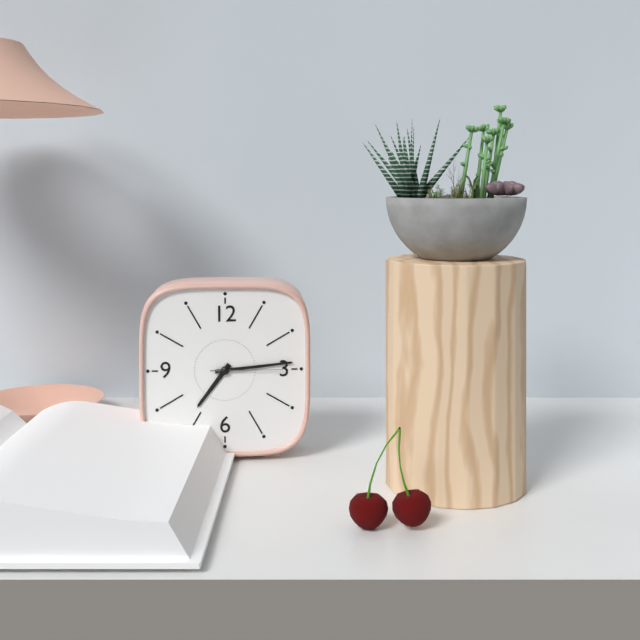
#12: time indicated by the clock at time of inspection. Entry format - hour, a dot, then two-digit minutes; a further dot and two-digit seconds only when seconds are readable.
7.14.15
